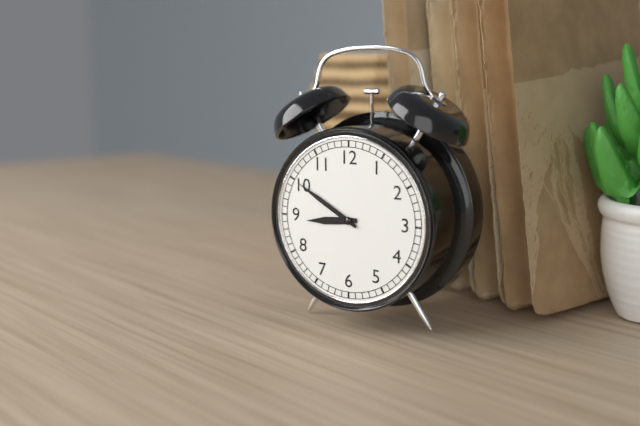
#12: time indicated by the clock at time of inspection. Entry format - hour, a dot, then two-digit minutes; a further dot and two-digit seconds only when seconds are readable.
8.50
